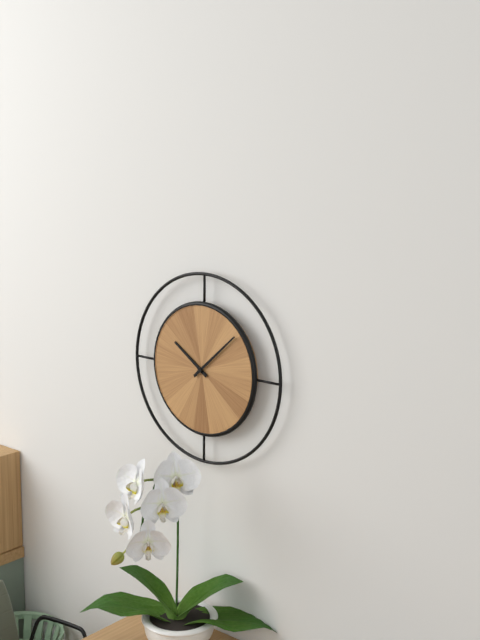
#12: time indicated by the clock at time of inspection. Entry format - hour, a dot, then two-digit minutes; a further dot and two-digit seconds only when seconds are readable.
10.08
